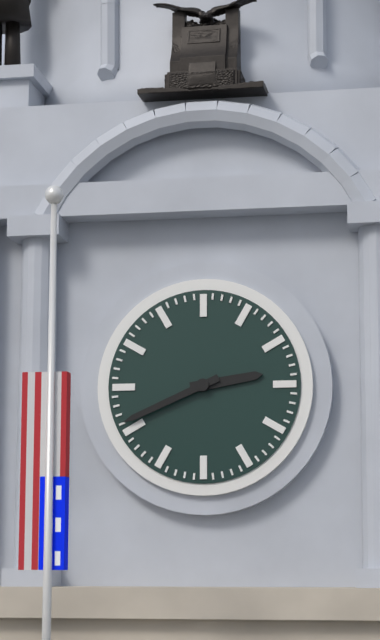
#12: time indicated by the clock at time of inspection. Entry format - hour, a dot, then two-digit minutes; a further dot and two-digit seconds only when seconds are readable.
2.41
